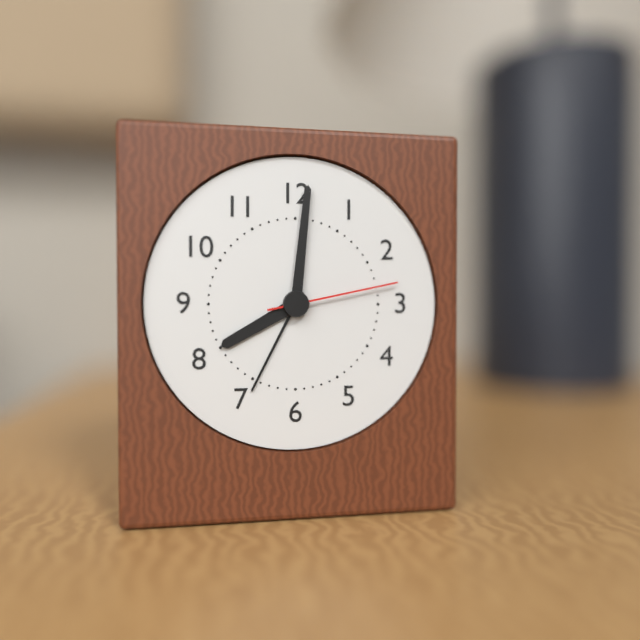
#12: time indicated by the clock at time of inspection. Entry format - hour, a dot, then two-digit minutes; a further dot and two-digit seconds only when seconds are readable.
8.01.13
